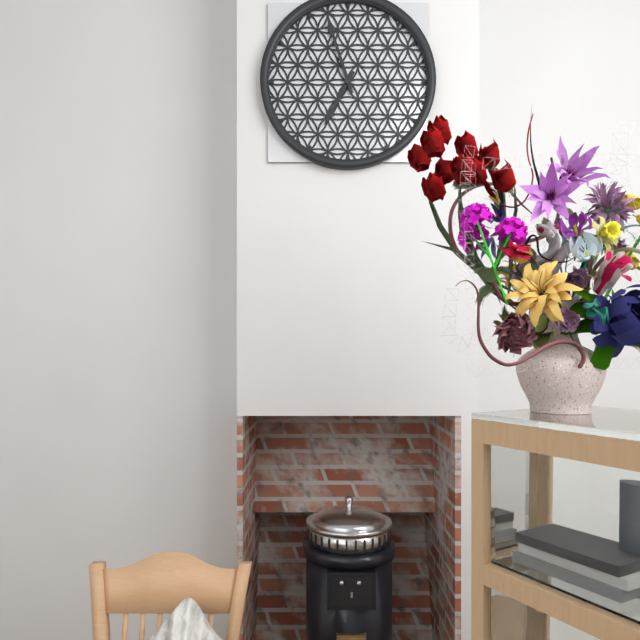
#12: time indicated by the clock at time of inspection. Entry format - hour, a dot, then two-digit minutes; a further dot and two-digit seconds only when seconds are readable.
6.57
